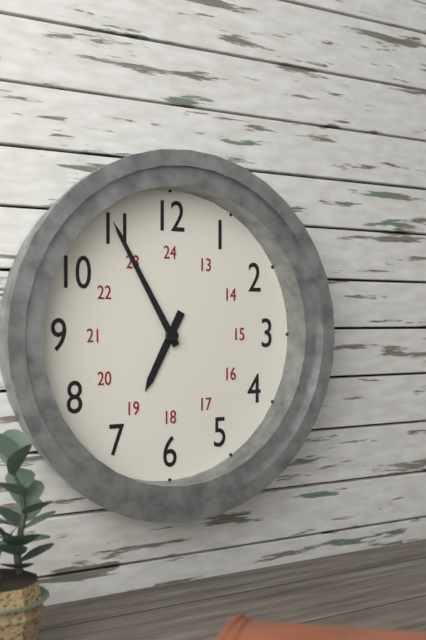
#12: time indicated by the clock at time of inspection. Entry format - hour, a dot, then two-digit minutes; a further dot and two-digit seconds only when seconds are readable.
6.55
